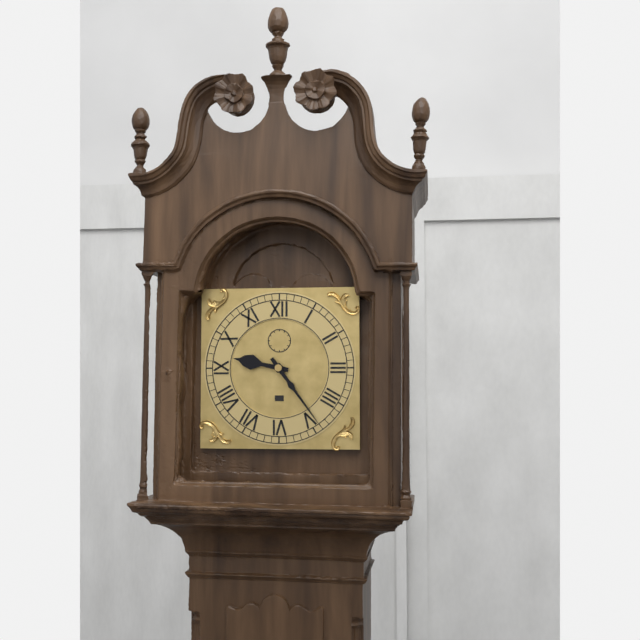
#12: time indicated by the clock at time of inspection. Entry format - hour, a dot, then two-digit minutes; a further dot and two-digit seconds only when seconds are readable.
9.24
